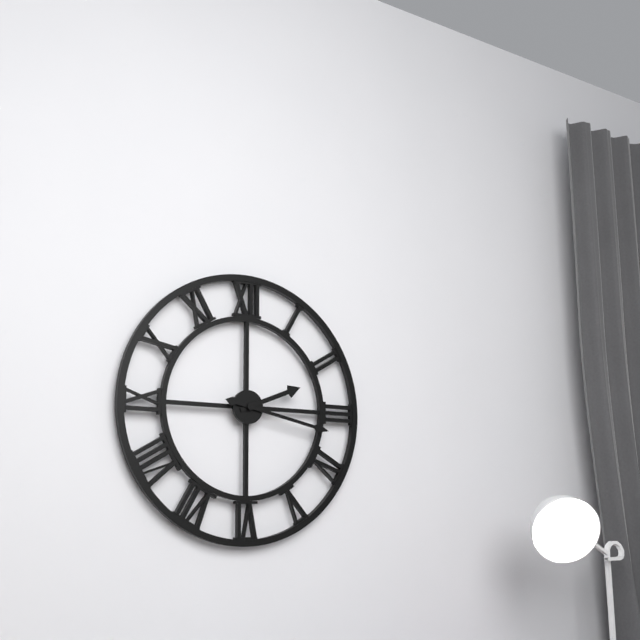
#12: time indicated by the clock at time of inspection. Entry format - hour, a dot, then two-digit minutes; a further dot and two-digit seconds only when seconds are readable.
2.17
